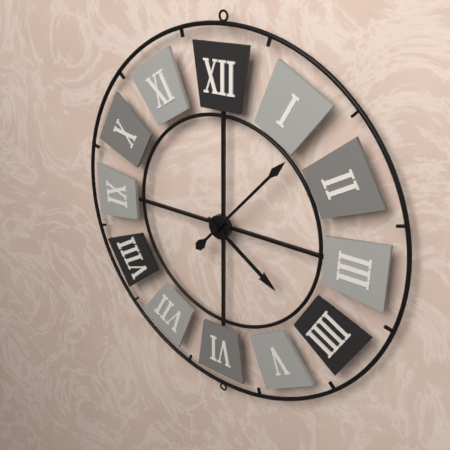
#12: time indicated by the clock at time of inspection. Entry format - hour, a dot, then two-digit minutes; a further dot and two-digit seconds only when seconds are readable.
4.07
